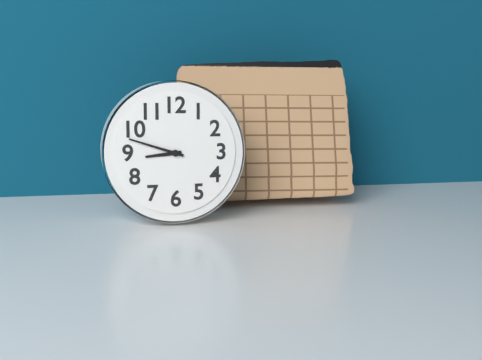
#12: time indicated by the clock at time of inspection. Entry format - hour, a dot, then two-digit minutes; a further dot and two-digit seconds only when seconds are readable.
8.48
